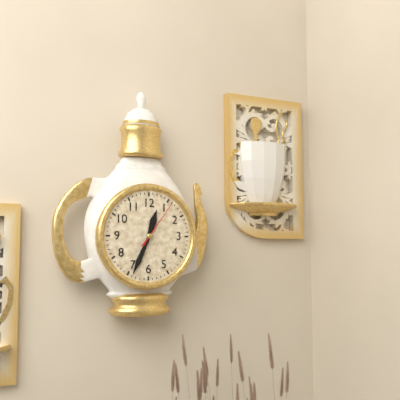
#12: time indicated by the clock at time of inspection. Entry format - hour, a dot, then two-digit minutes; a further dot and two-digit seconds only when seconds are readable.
12.34.06
